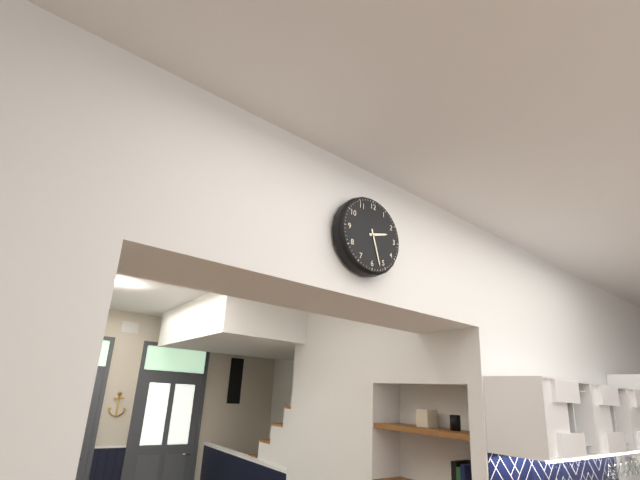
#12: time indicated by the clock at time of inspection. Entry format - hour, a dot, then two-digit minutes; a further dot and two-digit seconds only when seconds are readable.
2.27
